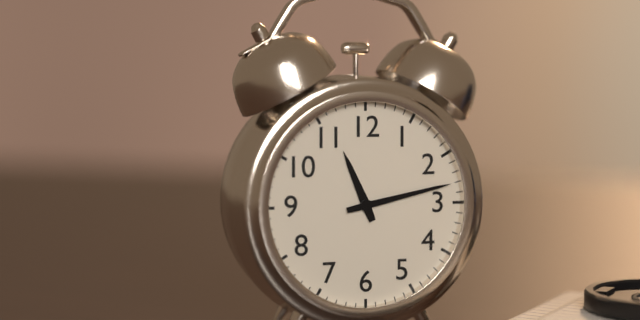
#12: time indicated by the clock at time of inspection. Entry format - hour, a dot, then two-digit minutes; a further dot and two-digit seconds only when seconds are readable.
11.13
